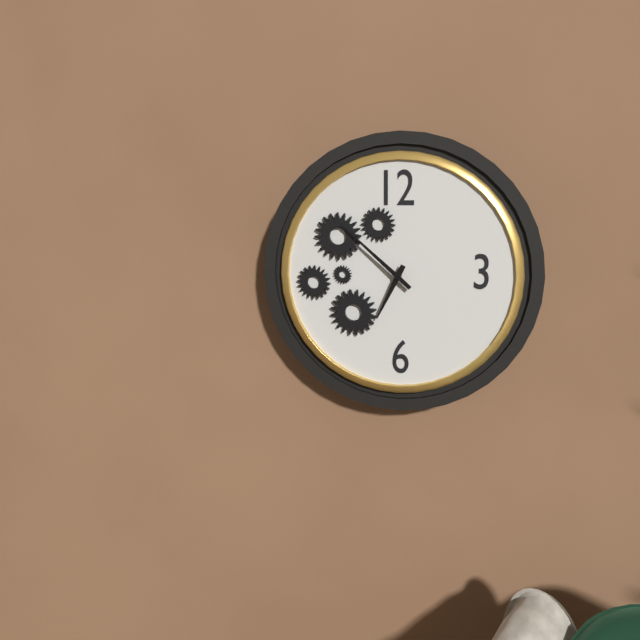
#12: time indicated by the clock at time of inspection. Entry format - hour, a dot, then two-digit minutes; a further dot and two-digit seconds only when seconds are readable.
6.52
